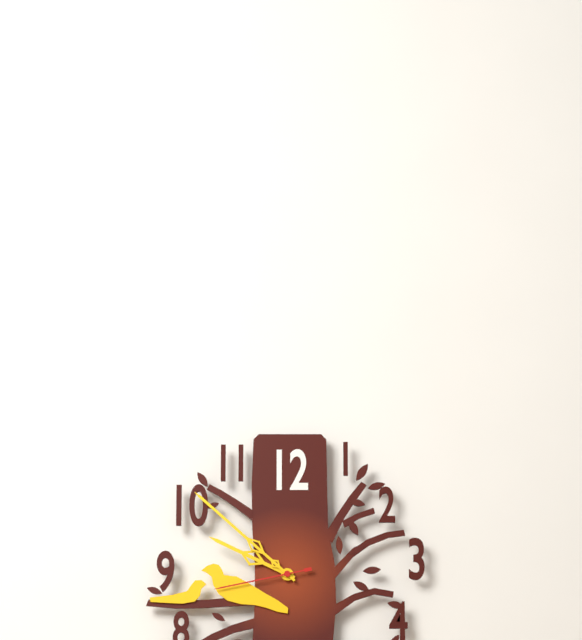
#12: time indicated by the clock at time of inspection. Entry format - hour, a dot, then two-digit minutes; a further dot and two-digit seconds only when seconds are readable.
9.52.43
